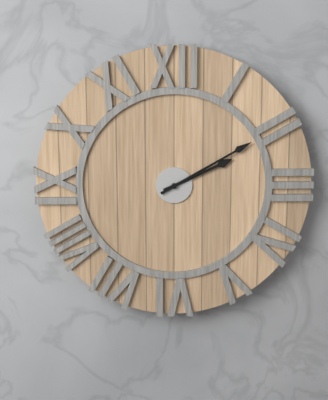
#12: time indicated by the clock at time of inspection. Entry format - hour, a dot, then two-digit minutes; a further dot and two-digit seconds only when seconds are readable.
2.10
